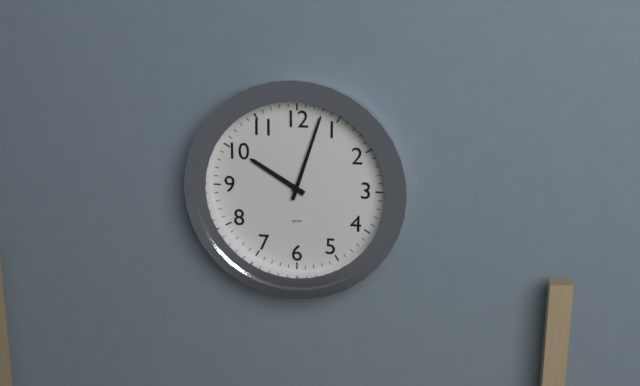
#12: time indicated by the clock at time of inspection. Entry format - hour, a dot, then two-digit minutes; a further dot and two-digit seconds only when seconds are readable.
10.03
